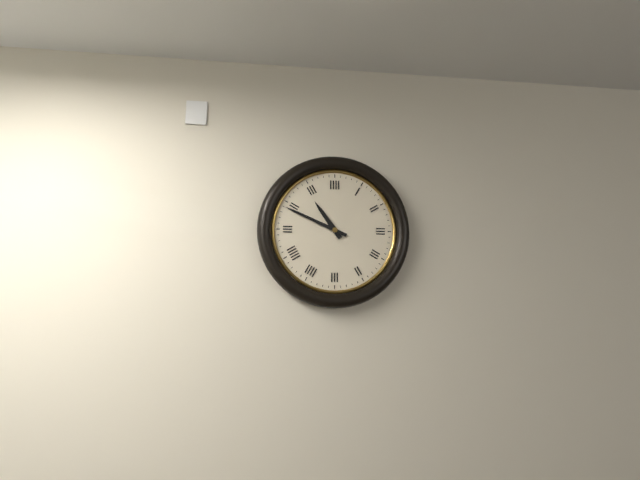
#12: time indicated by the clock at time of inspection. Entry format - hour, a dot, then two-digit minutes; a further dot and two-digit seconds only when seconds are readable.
10.49
